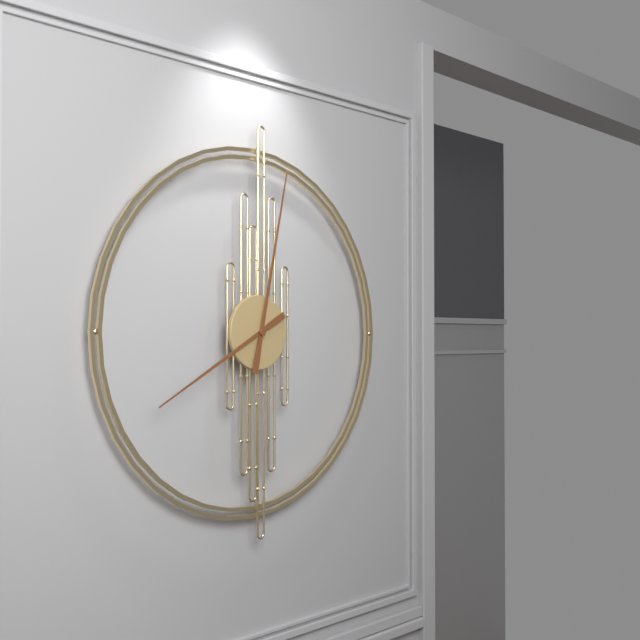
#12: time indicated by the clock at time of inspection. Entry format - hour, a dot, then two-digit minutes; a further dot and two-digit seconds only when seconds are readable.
8.02
